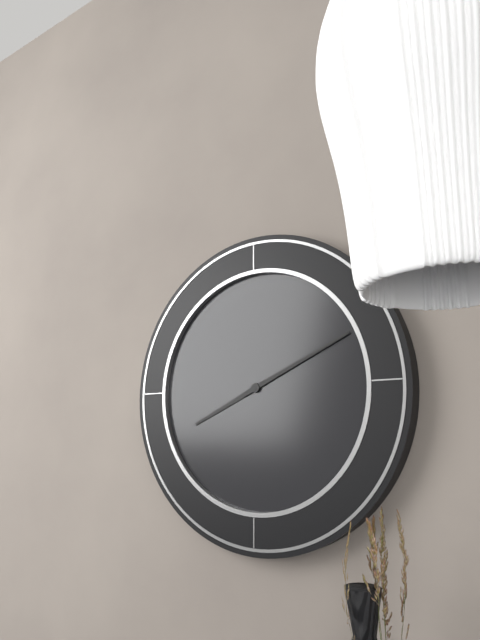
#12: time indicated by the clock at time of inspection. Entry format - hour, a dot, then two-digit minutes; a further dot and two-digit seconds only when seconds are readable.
8.11
